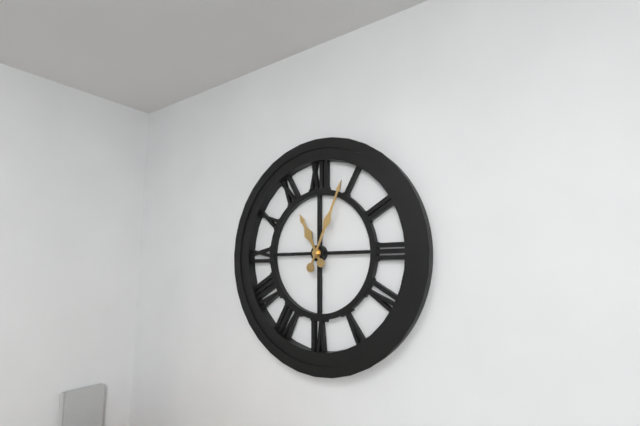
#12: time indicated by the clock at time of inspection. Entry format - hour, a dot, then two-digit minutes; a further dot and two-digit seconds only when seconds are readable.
11.04
